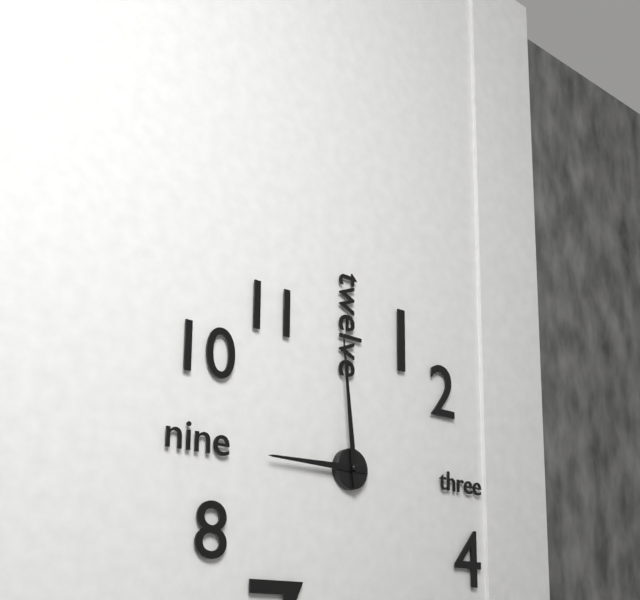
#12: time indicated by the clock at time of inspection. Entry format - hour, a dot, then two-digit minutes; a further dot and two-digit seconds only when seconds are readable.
8.59
